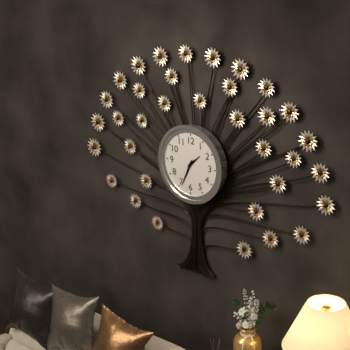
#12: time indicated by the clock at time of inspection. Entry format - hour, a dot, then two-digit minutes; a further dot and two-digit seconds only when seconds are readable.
1.34
